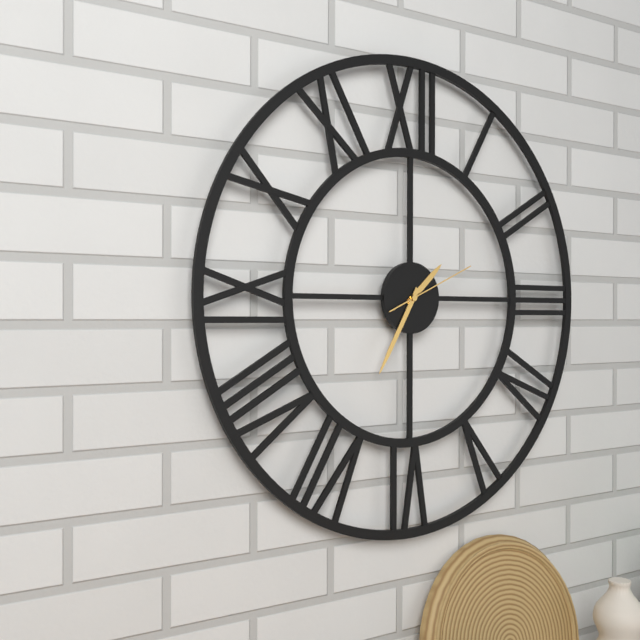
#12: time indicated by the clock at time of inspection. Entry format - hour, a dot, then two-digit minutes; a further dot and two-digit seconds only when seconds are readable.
1.35.11
